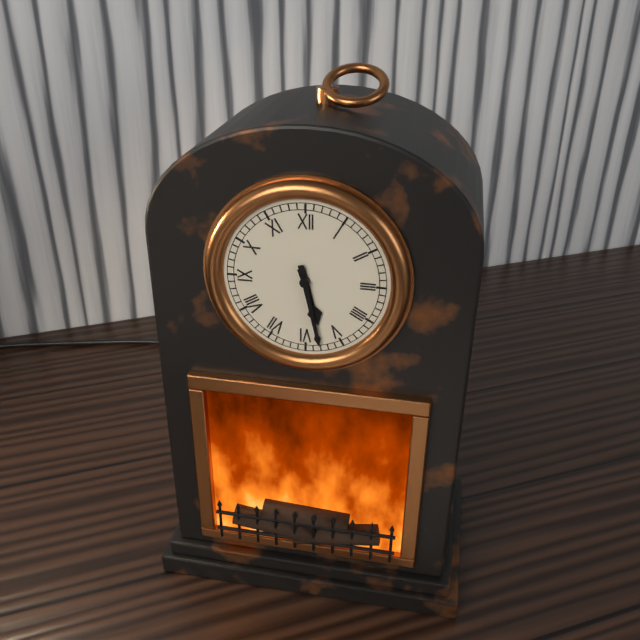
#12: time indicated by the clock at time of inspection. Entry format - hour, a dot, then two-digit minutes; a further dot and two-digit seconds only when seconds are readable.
5.28
